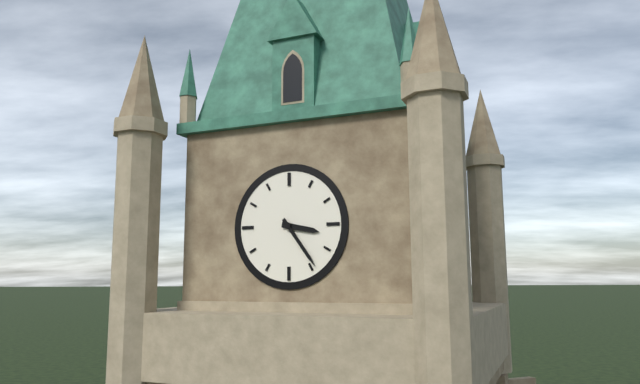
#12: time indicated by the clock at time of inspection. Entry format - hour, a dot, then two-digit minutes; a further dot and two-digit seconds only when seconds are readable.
3.24
